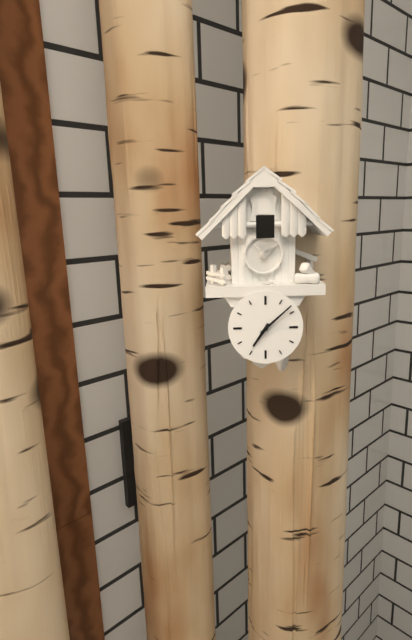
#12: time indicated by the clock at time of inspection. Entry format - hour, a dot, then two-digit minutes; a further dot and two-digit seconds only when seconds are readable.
7.08
